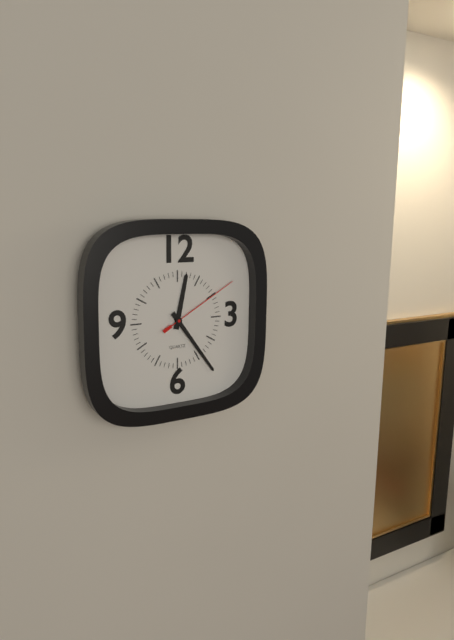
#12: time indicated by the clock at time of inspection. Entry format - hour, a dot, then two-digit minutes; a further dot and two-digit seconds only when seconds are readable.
12.24.10
